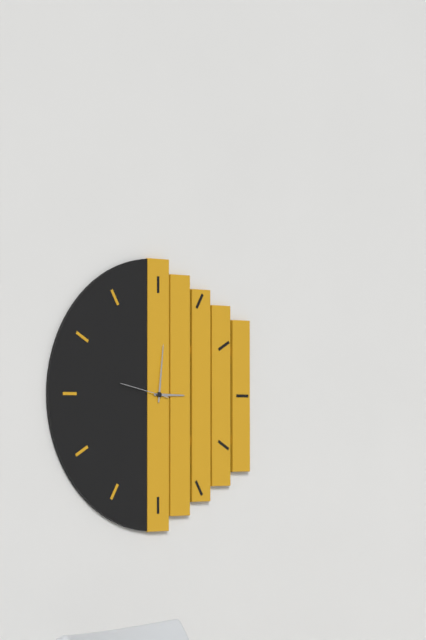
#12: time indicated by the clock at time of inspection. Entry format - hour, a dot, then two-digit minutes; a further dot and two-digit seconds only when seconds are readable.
3.01
